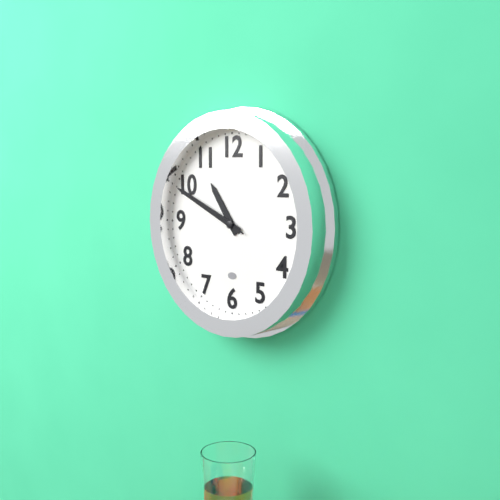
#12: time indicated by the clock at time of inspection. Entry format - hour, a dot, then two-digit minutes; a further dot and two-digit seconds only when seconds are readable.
10.49.49
